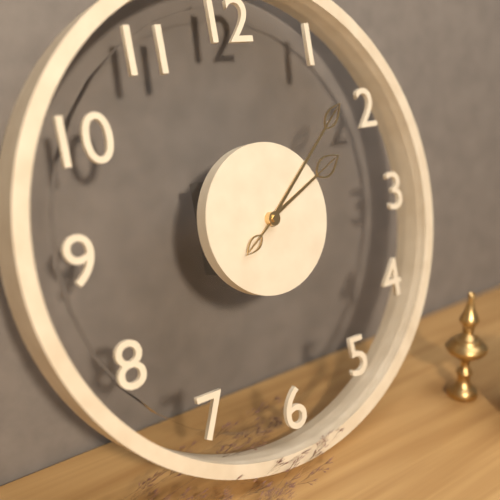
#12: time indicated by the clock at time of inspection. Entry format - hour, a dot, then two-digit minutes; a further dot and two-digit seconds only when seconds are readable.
2.08.39
